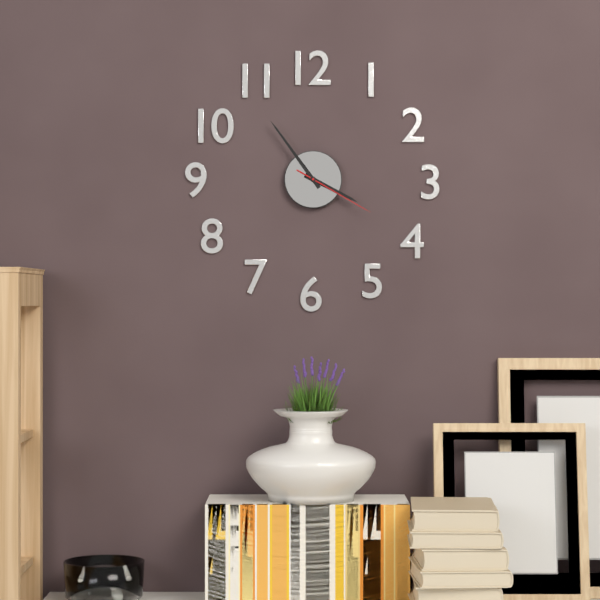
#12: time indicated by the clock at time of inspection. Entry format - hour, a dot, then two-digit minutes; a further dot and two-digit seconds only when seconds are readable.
3.54.20
